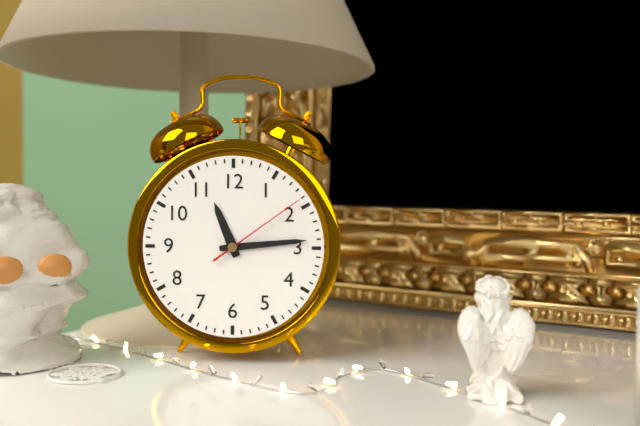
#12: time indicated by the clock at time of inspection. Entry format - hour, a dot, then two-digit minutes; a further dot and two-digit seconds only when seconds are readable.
11.14.09
